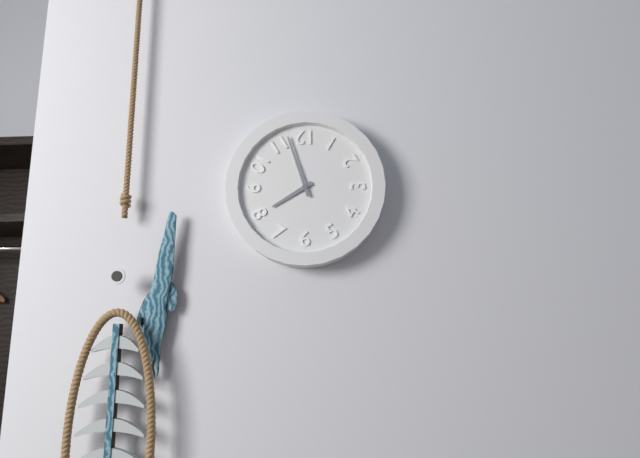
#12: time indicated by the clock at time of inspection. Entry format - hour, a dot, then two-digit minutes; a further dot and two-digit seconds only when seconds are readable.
7.57
